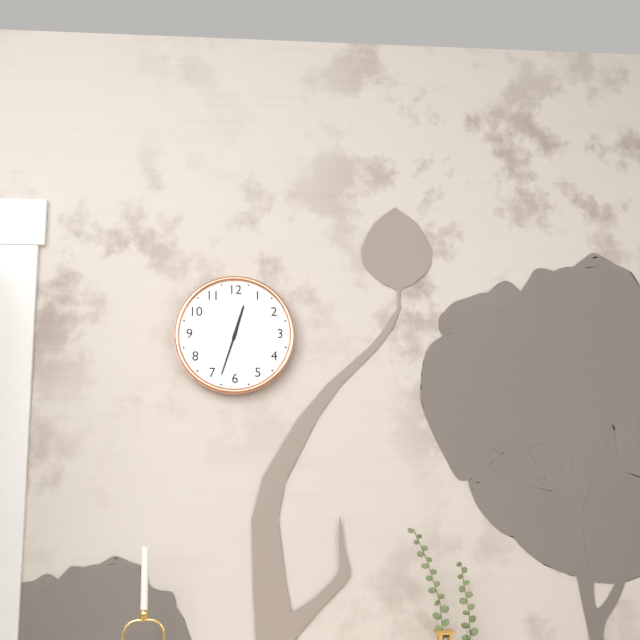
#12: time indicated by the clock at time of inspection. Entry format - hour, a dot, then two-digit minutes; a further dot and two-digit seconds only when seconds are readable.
12.33
